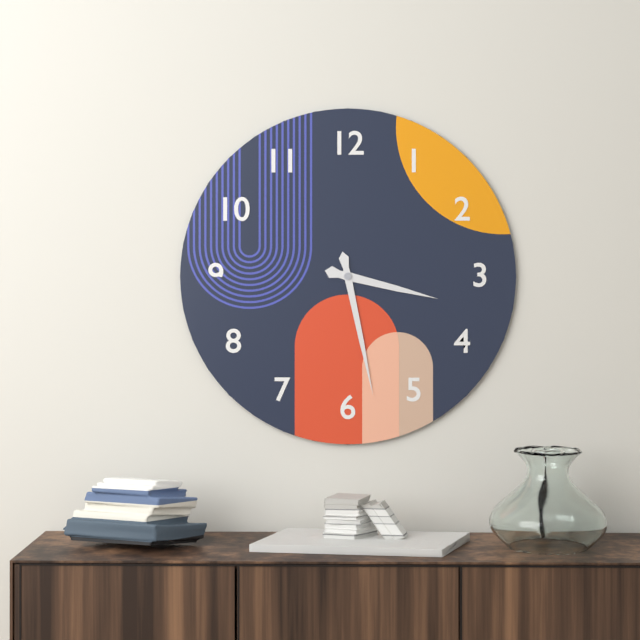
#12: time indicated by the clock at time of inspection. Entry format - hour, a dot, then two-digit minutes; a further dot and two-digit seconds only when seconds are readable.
3.28
